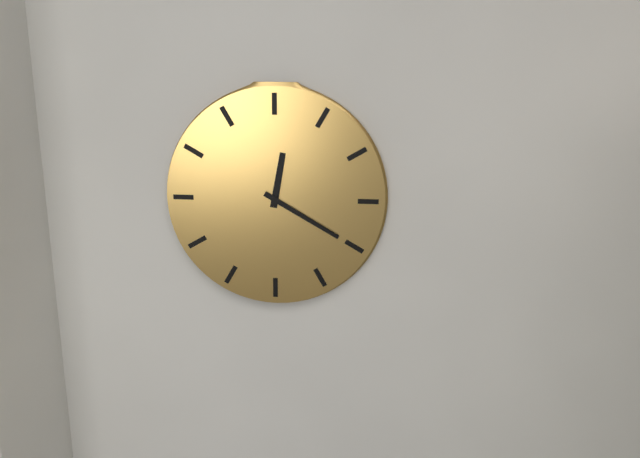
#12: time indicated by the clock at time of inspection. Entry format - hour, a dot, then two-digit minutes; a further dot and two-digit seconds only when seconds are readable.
12.20
